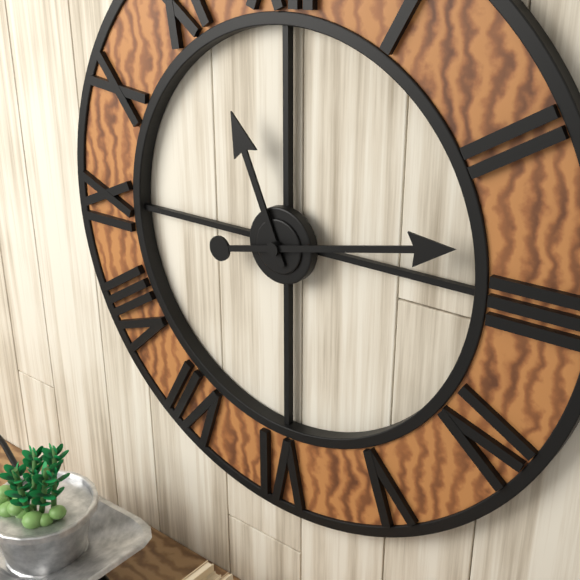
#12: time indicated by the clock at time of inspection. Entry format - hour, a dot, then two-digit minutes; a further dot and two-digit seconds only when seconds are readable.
11.13
